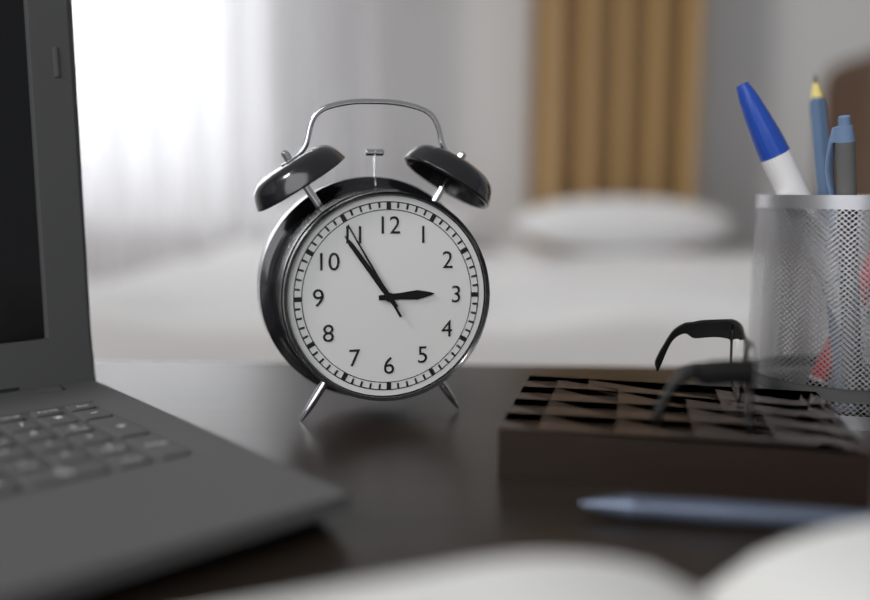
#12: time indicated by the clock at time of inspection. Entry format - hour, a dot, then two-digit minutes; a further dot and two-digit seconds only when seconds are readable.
2.54.55
